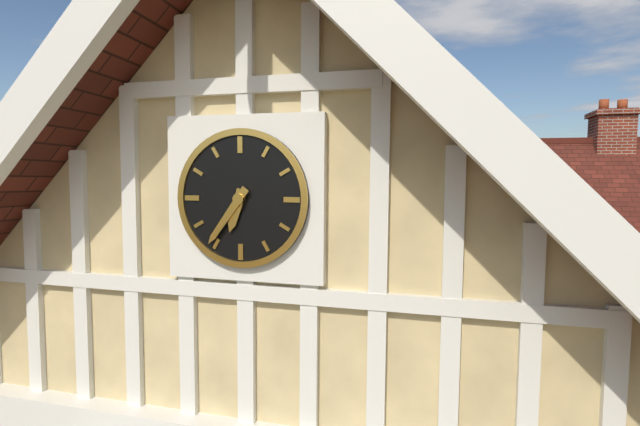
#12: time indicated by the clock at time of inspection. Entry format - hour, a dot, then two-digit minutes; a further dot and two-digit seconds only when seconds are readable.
6.36
